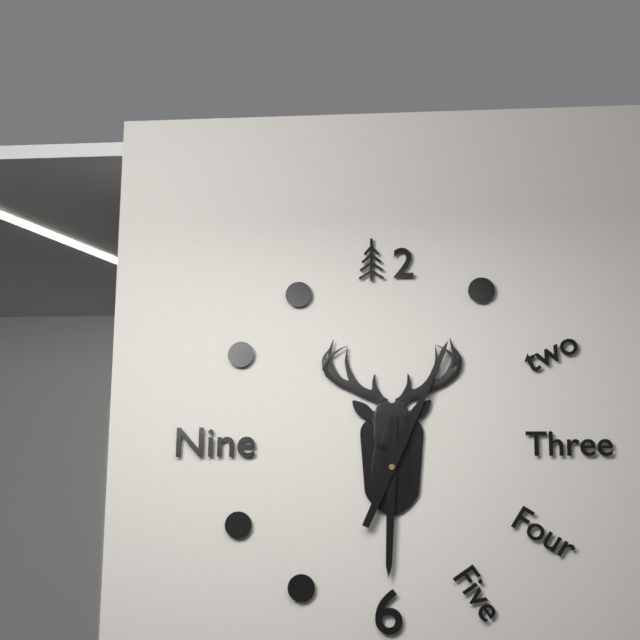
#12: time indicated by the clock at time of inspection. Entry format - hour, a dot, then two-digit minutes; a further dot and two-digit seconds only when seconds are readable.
6.04
